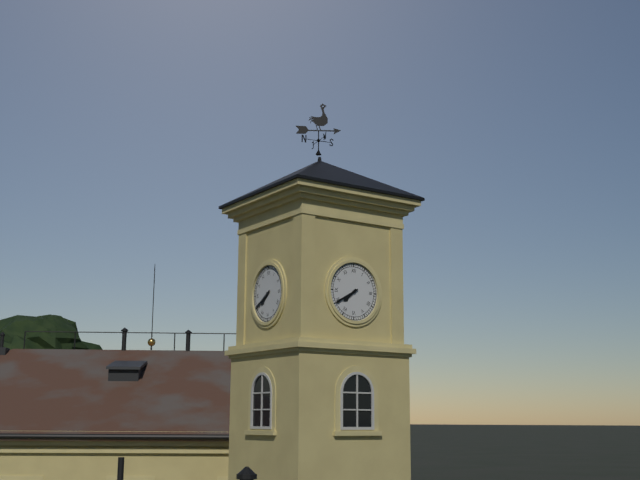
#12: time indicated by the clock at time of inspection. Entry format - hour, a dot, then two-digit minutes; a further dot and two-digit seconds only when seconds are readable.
7.40
